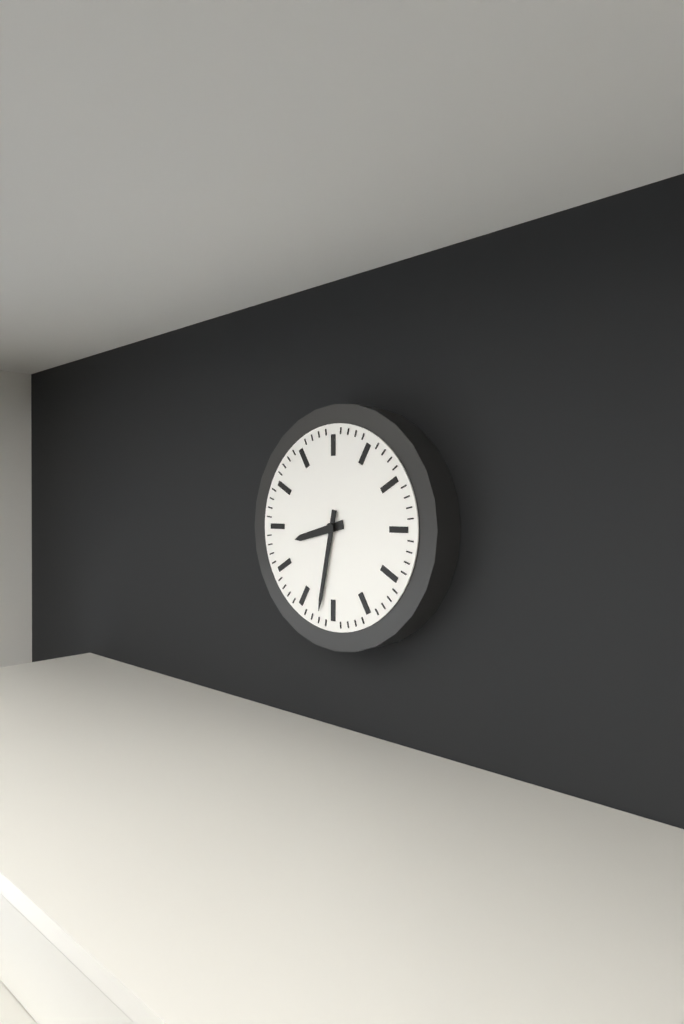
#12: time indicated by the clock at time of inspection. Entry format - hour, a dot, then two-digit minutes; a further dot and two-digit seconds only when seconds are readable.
8.32
